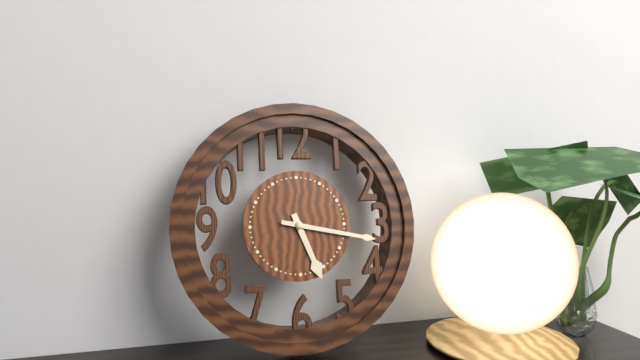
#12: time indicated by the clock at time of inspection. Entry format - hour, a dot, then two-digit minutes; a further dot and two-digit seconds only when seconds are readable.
5.17
